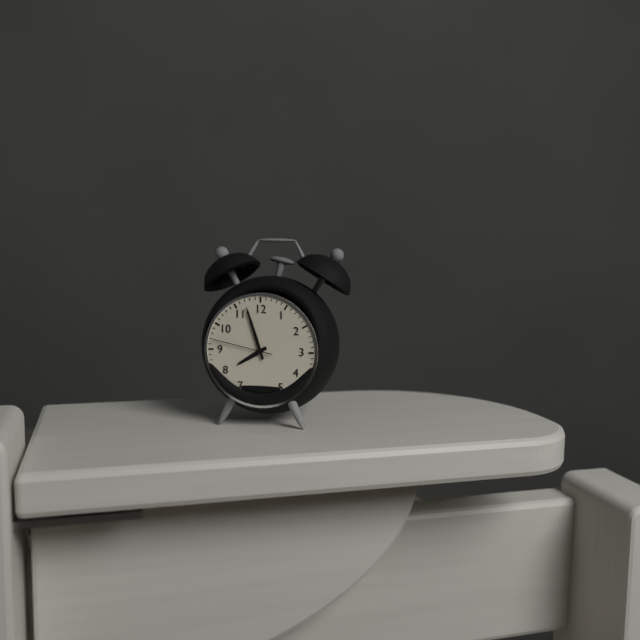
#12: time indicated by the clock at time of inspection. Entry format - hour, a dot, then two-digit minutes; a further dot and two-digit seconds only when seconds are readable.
7.57.47
